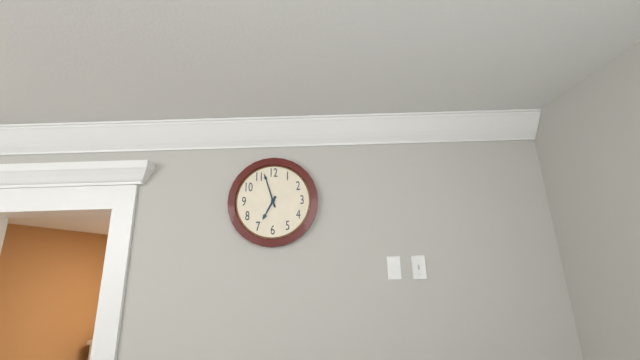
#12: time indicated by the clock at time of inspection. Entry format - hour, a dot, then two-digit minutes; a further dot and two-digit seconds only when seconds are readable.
6.57
